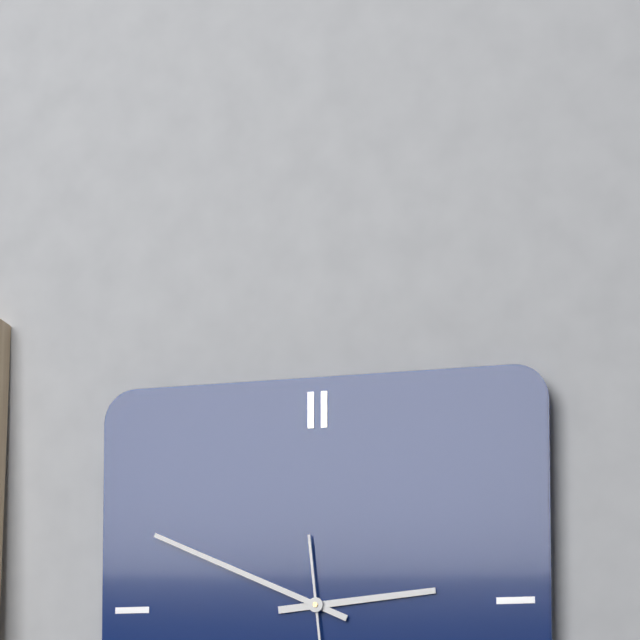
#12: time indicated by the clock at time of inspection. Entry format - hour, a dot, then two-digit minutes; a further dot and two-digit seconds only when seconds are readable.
2.49
